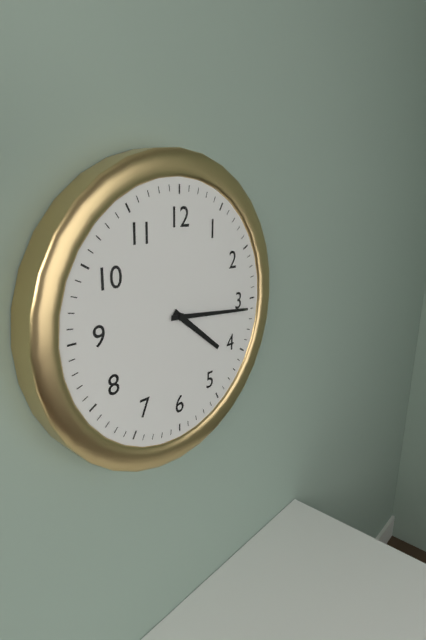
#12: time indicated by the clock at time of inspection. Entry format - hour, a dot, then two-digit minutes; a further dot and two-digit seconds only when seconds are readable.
4.16
